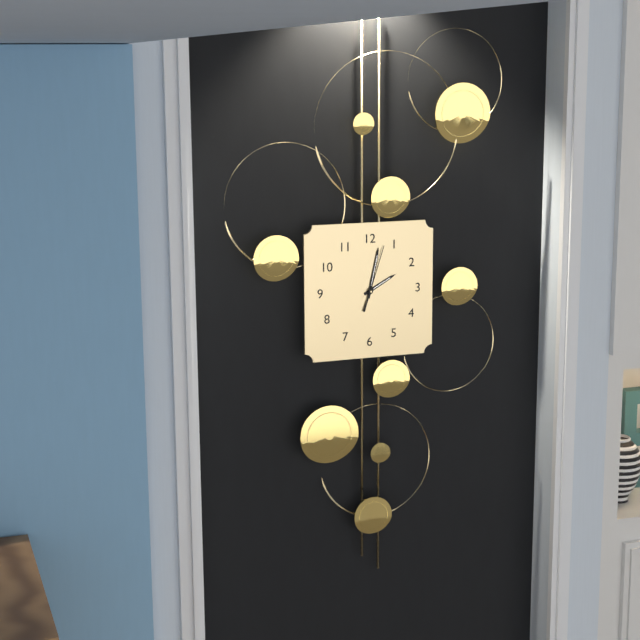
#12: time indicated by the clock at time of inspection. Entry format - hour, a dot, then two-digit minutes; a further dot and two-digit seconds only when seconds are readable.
2.02.03
